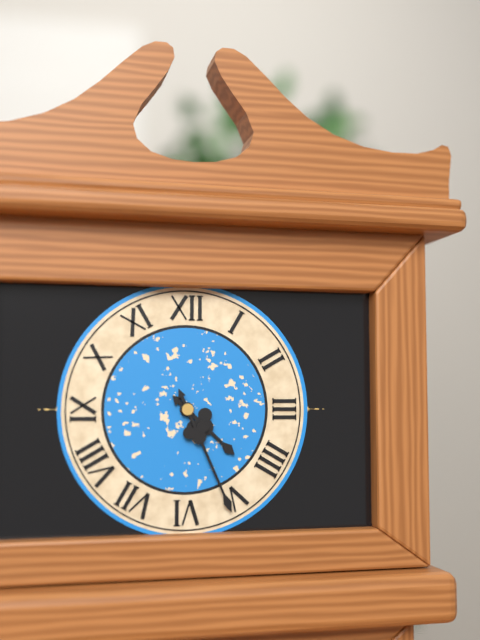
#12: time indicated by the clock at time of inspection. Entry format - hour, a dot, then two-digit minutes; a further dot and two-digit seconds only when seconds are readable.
4.26
